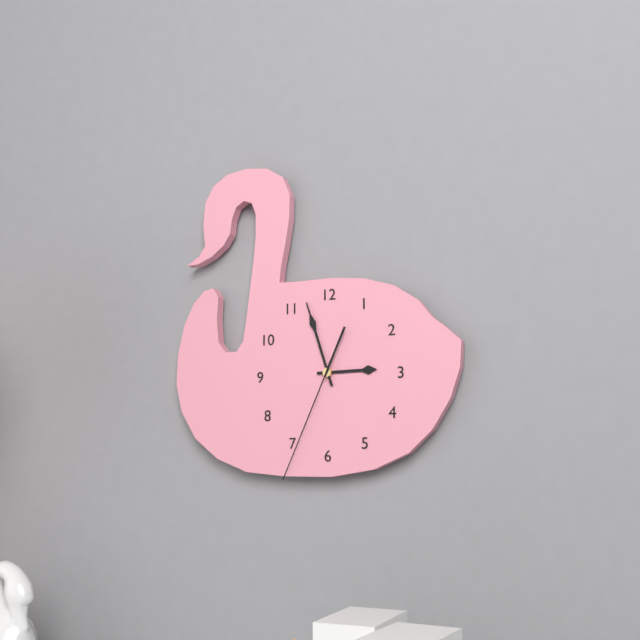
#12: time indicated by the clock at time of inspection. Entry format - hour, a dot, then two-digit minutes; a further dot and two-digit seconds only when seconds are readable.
2.57.34
